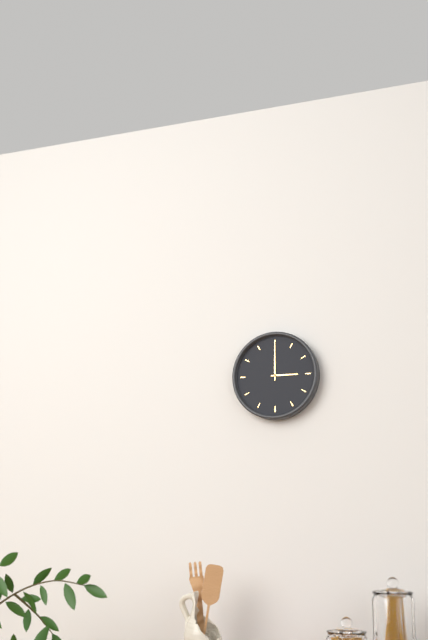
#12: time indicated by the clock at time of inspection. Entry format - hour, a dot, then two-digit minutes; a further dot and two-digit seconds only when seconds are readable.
3.00
